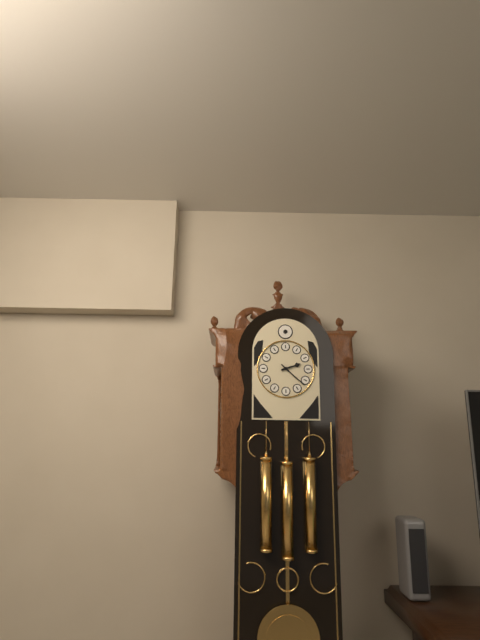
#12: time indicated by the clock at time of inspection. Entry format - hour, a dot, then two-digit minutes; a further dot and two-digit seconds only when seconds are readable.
2.22
